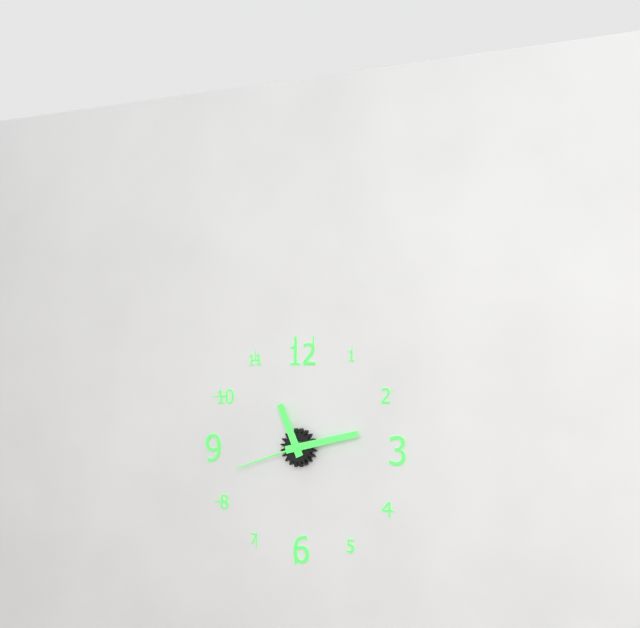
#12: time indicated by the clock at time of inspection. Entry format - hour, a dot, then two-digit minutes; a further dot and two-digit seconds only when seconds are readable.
11.13.42
